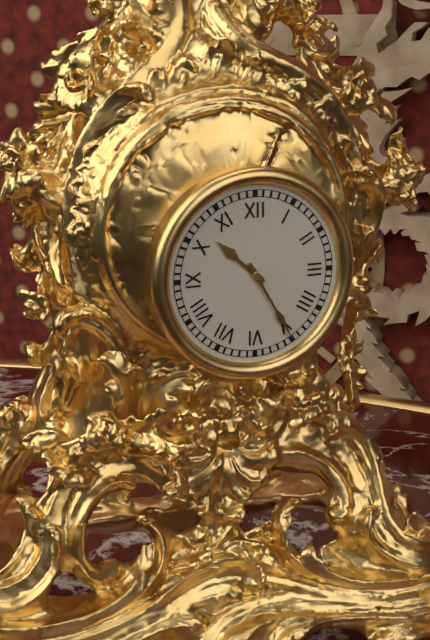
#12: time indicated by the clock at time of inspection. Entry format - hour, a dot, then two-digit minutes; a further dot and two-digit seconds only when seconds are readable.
10.25
